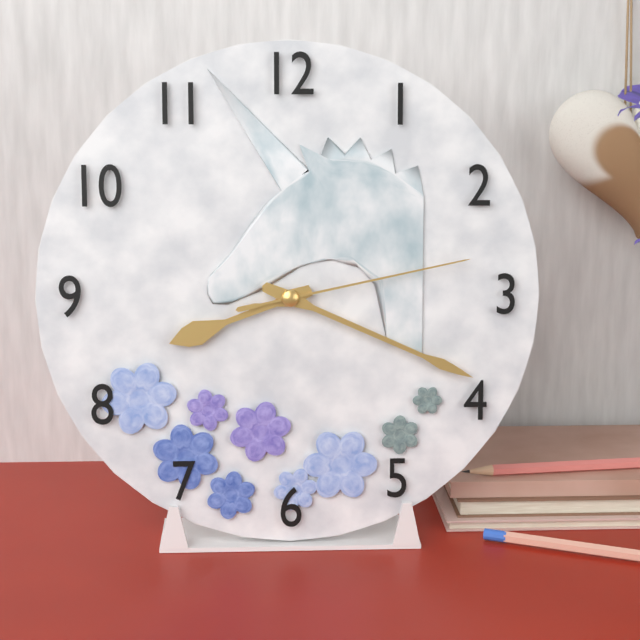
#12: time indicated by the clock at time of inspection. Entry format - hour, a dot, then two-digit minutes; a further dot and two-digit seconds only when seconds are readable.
8.19.13
